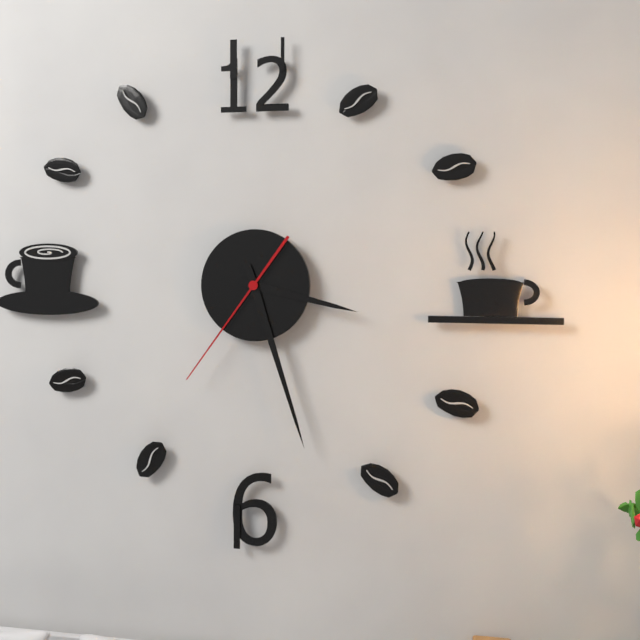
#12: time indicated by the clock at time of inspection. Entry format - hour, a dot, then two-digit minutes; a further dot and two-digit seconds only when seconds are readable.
3.27.36
